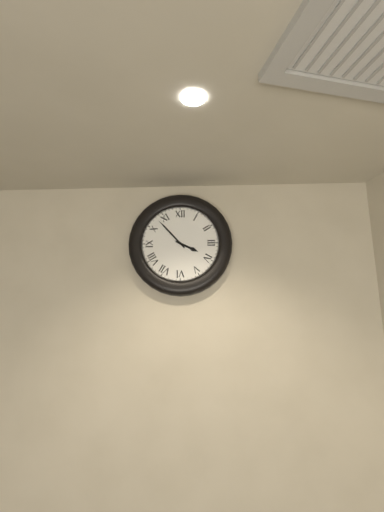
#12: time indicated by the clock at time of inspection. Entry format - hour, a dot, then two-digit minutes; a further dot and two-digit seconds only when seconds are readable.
3.53
